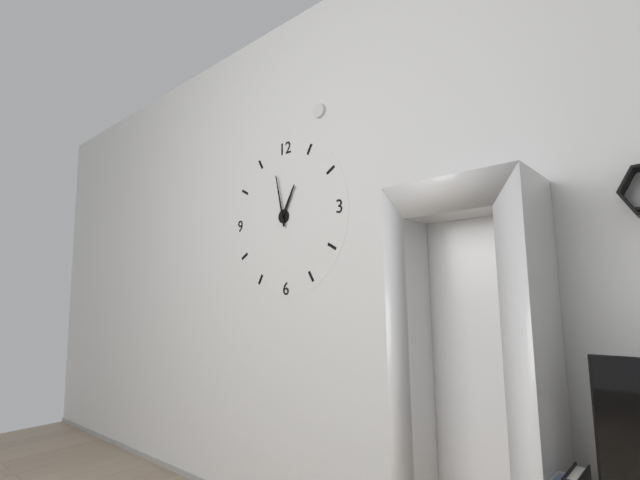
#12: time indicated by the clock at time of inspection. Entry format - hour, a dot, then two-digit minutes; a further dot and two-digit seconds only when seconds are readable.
12.58
